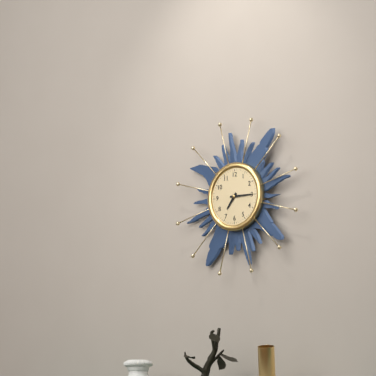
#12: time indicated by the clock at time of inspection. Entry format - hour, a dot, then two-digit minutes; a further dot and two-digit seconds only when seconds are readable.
7.15
